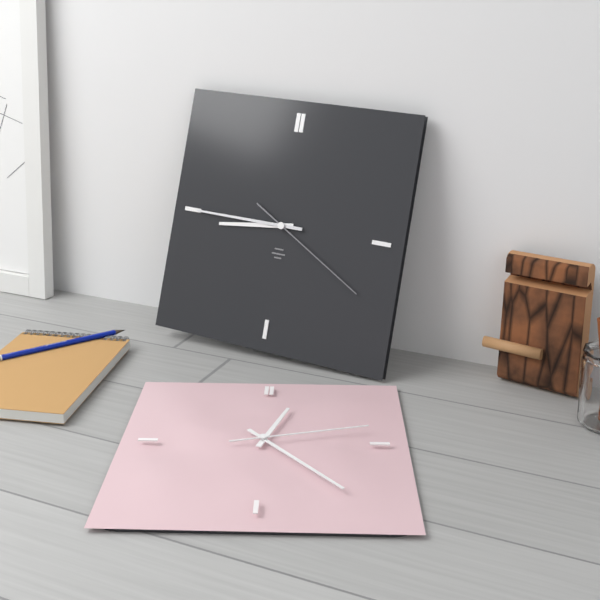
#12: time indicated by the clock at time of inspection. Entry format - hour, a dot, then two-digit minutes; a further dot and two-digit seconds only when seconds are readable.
8.45.20
